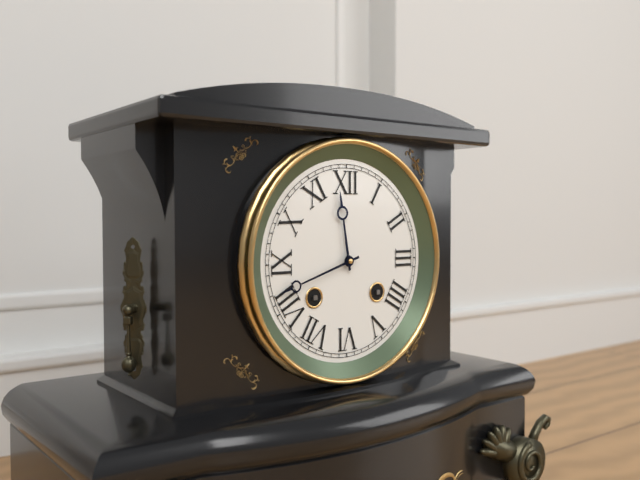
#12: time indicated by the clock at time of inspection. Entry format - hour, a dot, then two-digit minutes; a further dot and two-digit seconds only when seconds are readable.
11.42
